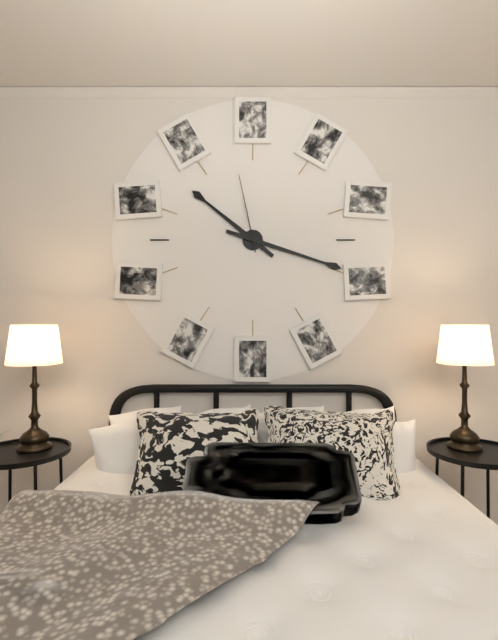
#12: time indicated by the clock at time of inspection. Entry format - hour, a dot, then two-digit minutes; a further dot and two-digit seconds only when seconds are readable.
10.18.58
